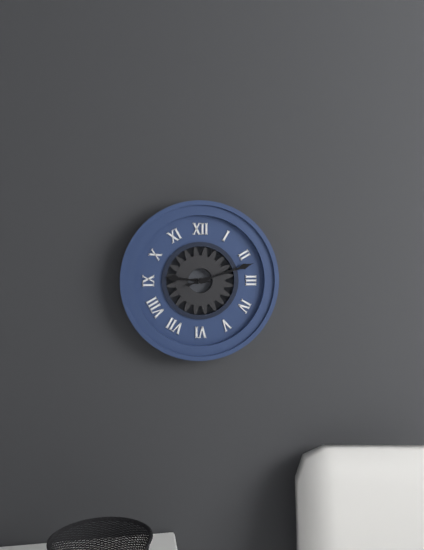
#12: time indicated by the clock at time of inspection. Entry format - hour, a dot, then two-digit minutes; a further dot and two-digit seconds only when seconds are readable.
9.12
